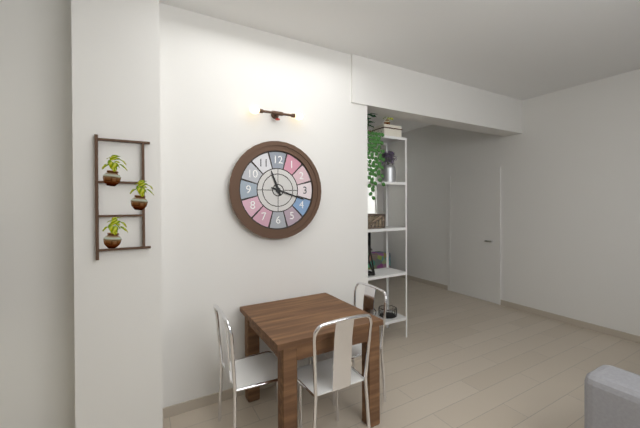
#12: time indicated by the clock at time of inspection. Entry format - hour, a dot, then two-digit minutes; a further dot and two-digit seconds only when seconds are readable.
11.18
